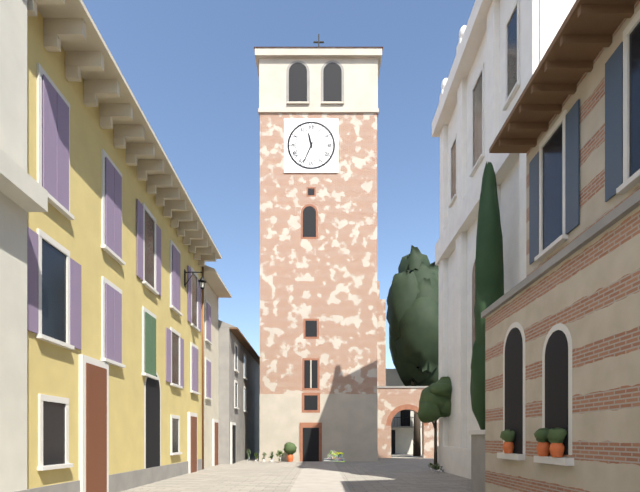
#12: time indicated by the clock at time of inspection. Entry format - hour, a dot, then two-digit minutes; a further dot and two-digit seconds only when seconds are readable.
11.34
